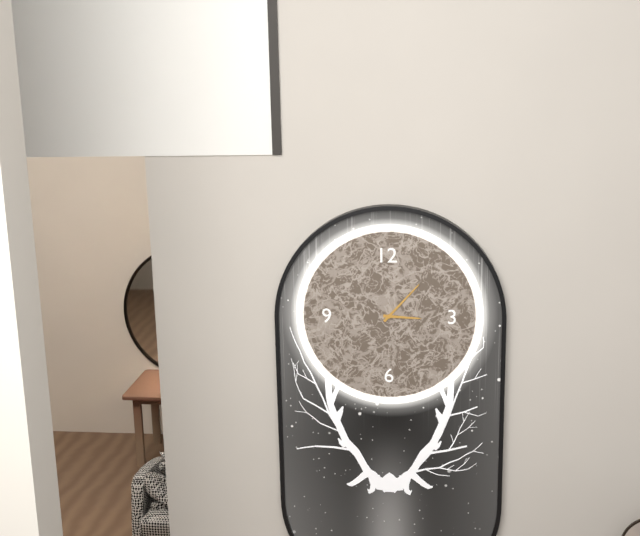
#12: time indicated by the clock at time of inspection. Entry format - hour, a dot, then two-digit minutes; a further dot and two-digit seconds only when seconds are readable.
3.07
